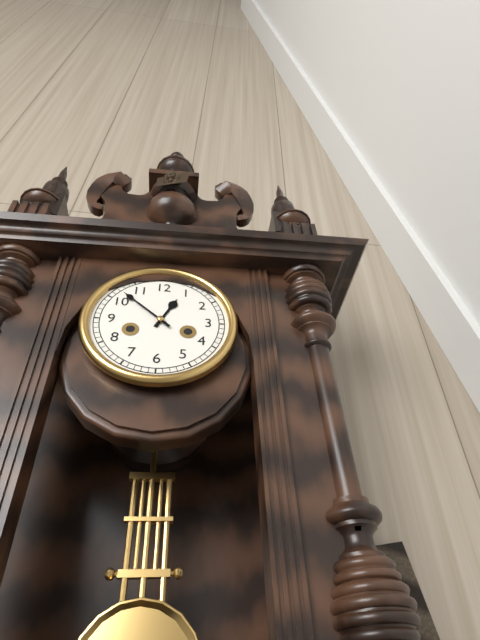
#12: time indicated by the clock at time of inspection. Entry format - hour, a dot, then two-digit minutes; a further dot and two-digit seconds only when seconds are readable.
12.52
